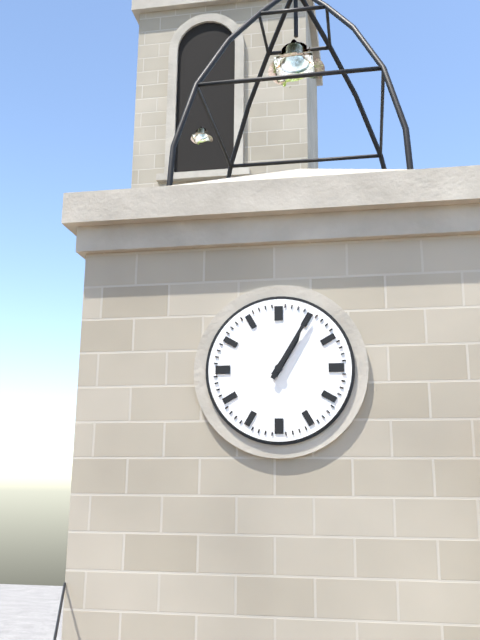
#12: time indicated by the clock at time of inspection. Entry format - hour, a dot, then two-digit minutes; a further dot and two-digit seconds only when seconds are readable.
1.05
